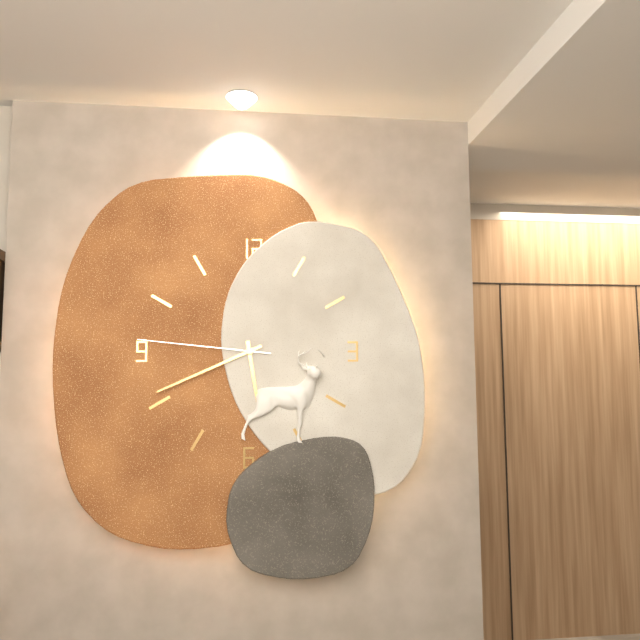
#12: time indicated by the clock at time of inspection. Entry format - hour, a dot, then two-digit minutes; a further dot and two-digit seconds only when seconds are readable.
5.41.46
